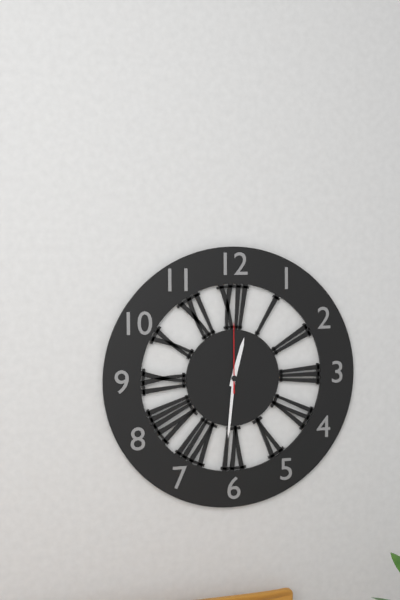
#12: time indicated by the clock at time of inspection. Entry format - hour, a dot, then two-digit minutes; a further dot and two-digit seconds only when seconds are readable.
12.31.00
